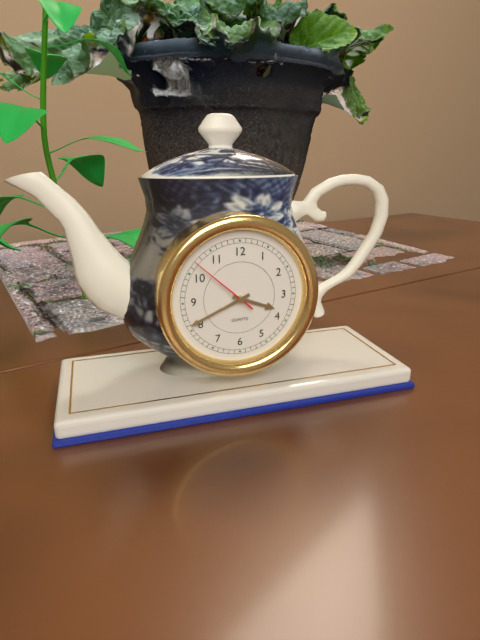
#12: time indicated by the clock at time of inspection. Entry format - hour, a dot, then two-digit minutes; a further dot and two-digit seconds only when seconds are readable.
3.41.52
